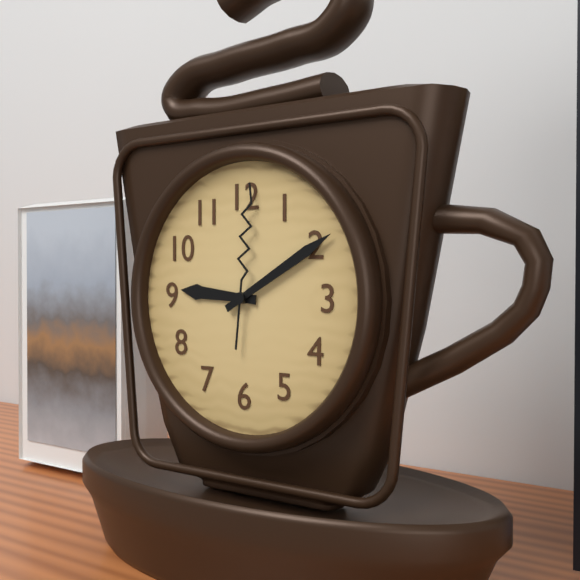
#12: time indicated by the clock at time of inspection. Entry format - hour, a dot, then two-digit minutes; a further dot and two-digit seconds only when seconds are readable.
9.10.01
